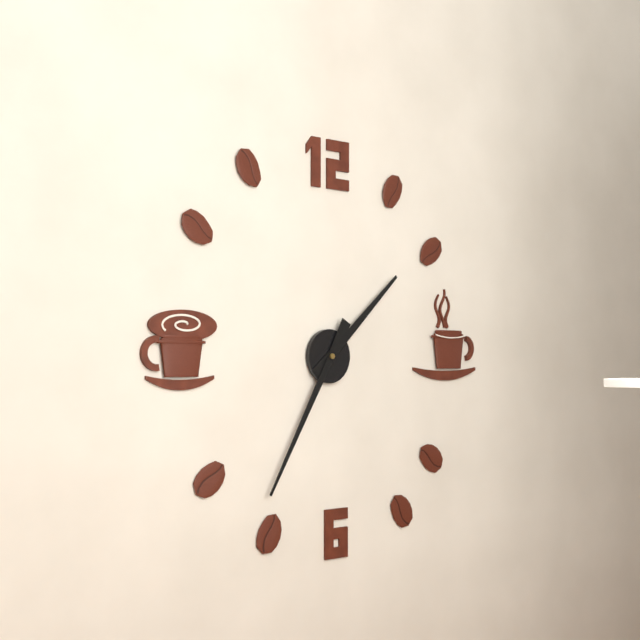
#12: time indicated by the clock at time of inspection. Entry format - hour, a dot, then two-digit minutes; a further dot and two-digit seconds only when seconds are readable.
1.35
